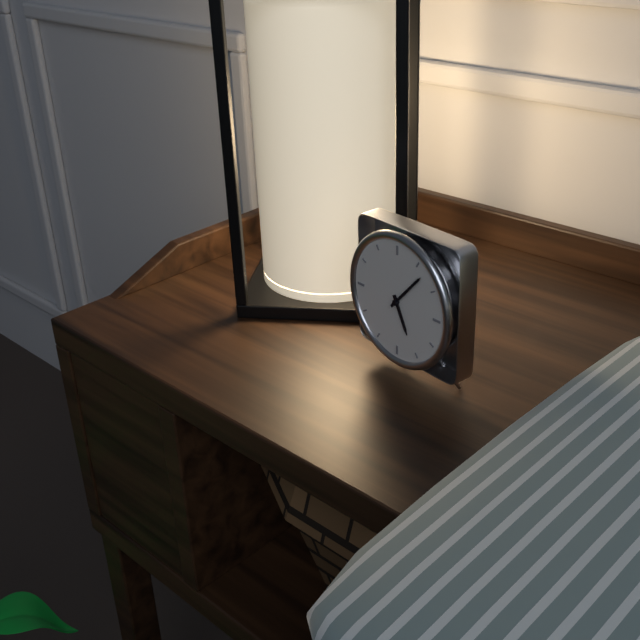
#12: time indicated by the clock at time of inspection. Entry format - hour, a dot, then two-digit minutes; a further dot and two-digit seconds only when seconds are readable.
5.07
